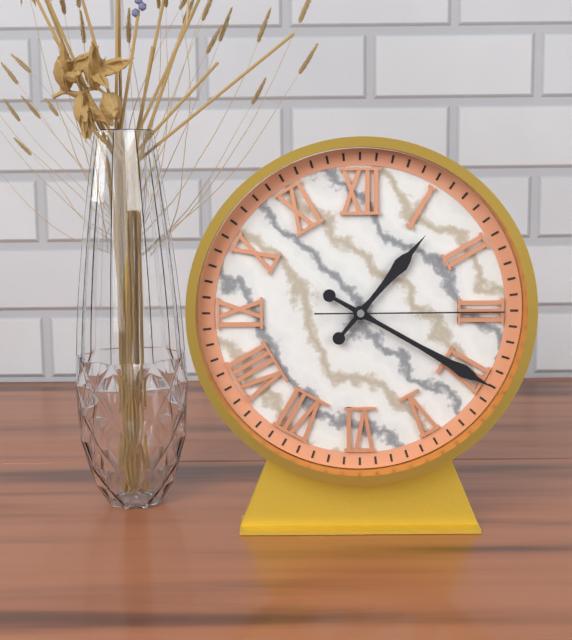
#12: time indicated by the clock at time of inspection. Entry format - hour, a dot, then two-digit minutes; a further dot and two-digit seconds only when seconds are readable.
1.20.15
